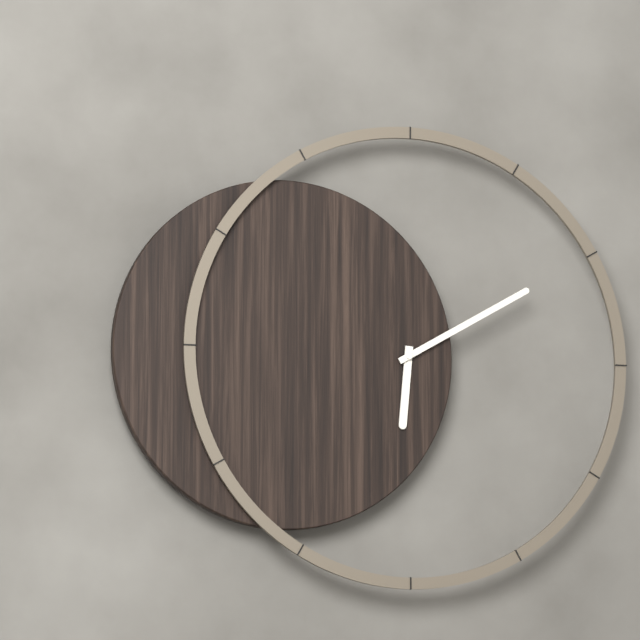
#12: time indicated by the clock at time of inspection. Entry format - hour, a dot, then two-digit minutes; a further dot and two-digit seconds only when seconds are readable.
6.10
